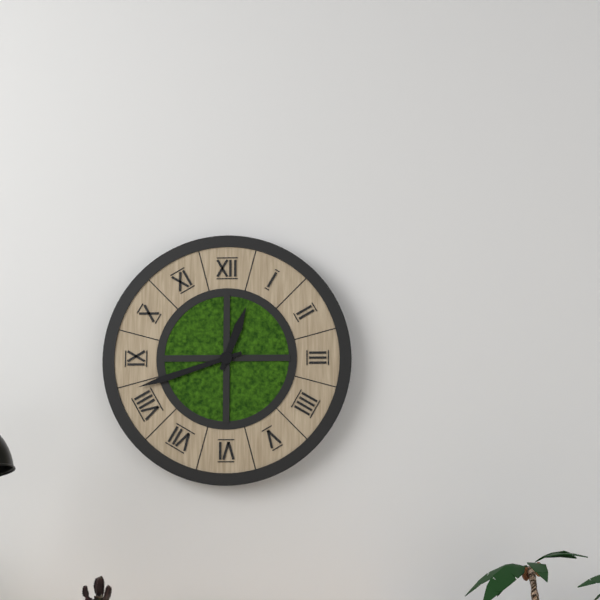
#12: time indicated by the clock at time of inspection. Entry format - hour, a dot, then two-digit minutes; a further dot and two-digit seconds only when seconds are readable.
12.42
